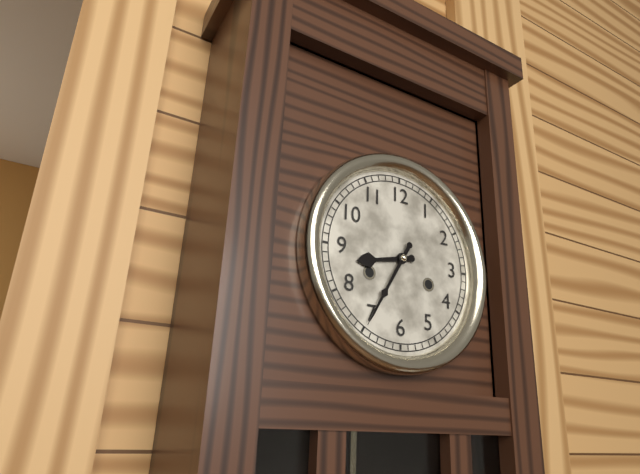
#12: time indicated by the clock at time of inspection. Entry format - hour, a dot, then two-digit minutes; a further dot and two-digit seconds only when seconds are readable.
8.35
